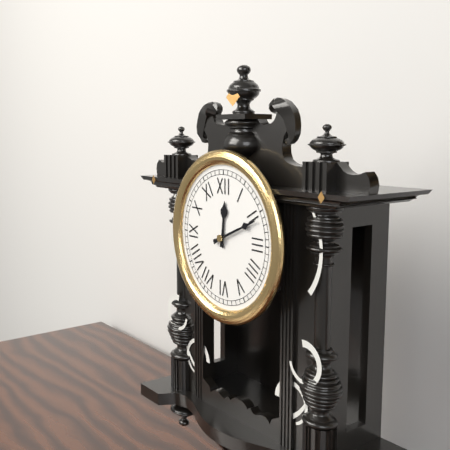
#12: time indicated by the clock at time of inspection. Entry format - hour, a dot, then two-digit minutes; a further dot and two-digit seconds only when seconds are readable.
12.11
